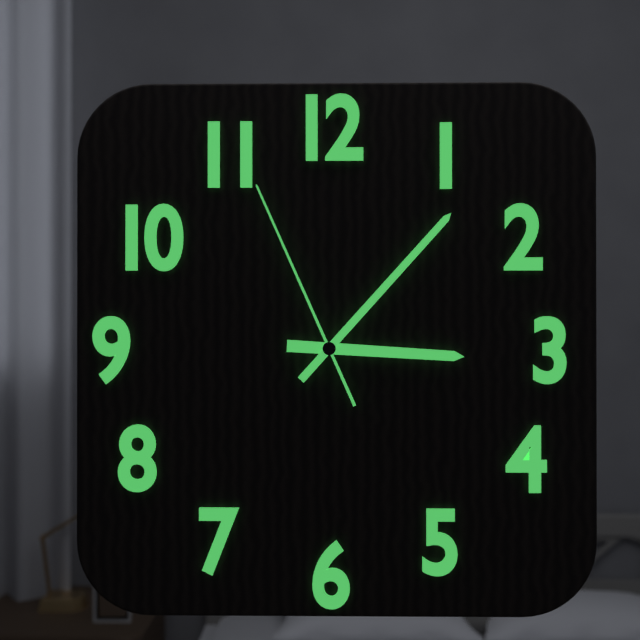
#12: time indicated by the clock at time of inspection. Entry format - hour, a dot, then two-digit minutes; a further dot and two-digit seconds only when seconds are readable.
3.07.56
